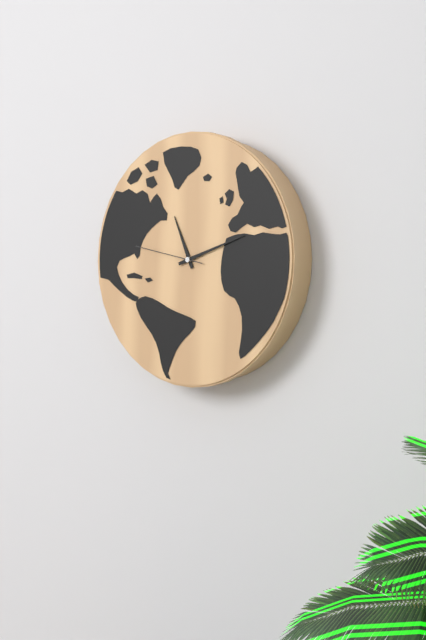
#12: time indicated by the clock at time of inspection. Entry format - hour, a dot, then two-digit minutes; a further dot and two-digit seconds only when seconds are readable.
11.12.47
